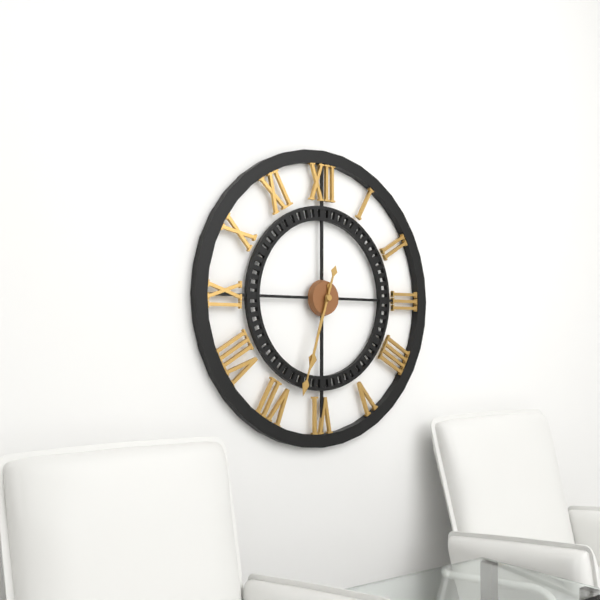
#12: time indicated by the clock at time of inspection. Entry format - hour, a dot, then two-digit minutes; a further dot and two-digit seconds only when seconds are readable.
6.33
